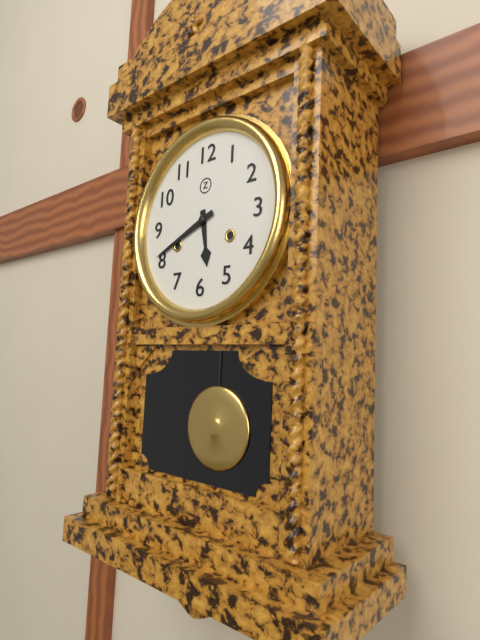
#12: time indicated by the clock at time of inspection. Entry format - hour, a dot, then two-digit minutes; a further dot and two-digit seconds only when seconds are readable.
5.41
